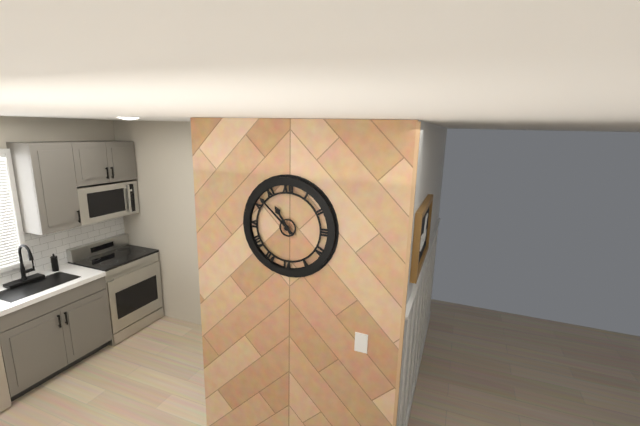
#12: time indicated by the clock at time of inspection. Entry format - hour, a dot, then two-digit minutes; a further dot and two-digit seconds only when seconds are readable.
10.52
